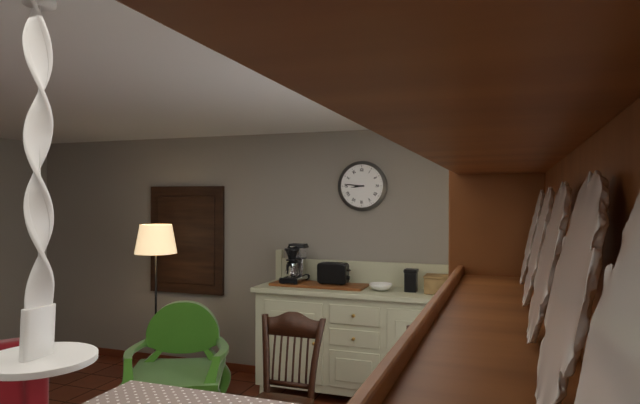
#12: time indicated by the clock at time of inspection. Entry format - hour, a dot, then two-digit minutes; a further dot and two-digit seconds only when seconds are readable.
8.46
